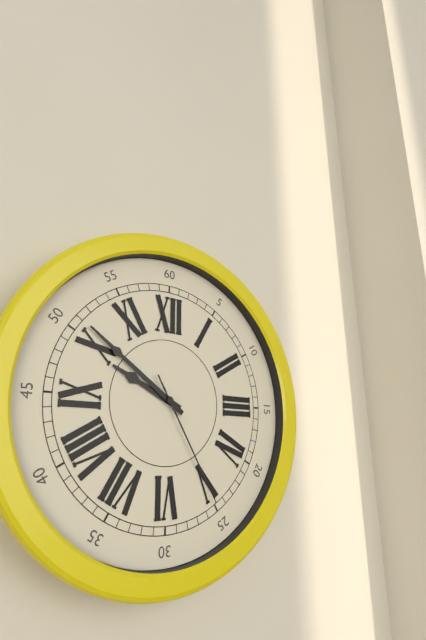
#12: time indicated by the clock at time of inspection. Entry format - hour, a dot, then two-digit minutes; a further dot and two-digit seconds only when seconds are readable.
9.51.25
